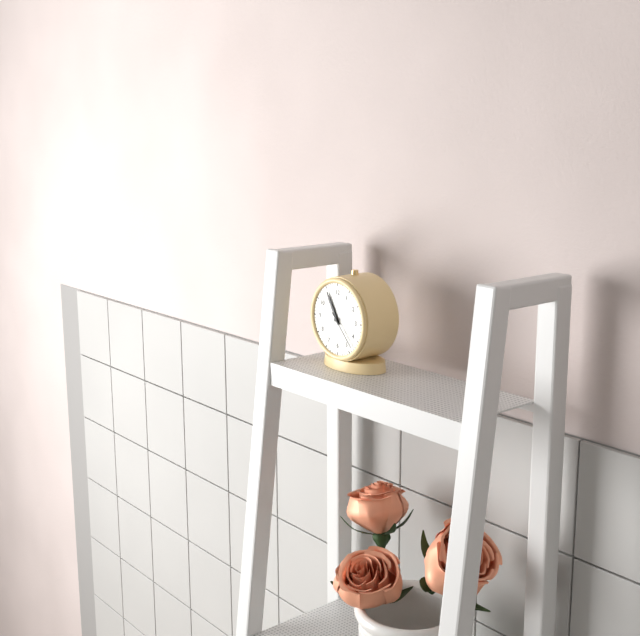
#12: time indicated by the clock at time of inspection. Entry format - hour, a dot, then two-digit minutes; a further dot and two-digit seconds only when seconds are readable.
10.55
